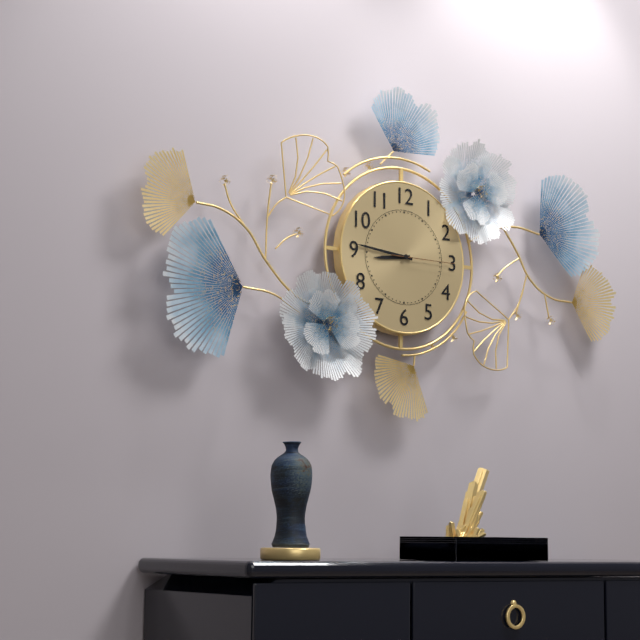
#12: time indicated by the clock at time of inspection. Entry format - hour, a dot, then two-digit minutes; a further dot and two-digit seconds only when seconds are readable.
8.46.15
